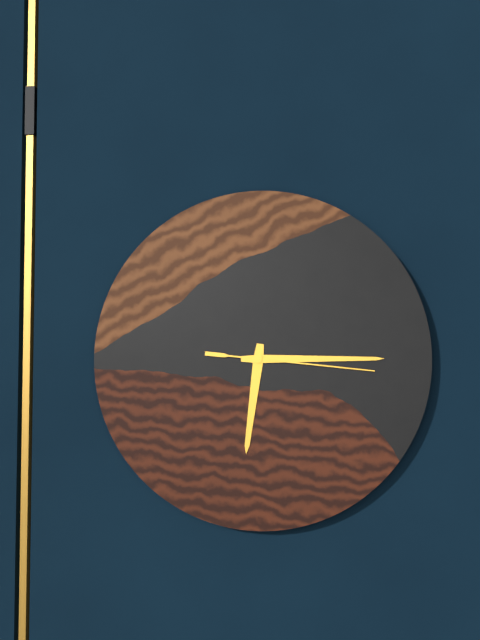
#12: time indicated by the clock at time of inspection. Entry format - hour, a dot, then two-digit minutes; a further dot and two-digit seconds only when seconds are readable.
6.15.16
